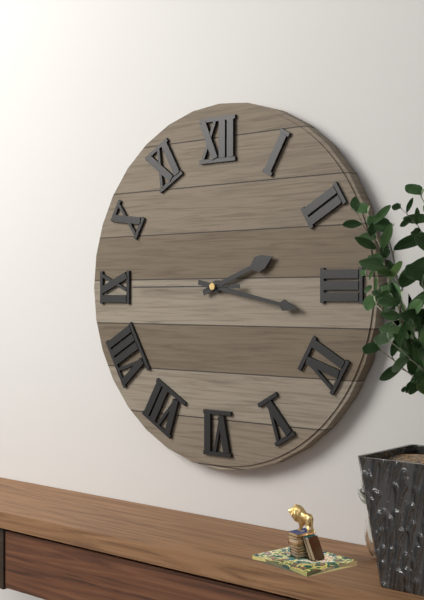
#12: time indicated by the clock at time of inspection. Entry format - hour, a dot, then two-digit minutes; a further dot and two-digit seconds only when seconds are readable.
2.17.45
